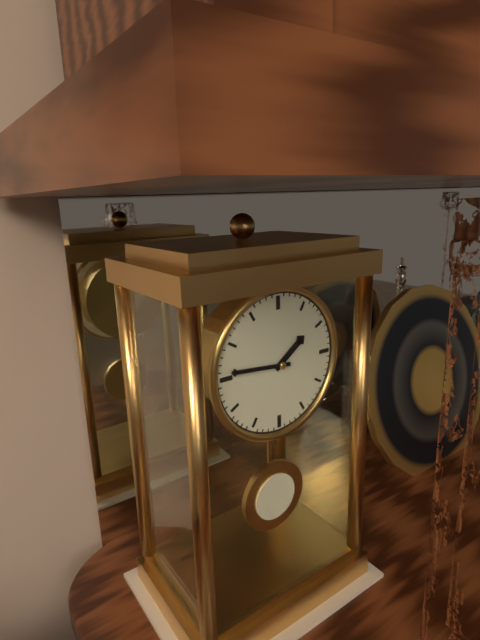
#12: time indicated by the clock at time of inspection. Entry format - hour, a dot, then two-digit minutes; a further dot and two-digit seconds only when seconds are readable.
1.46
